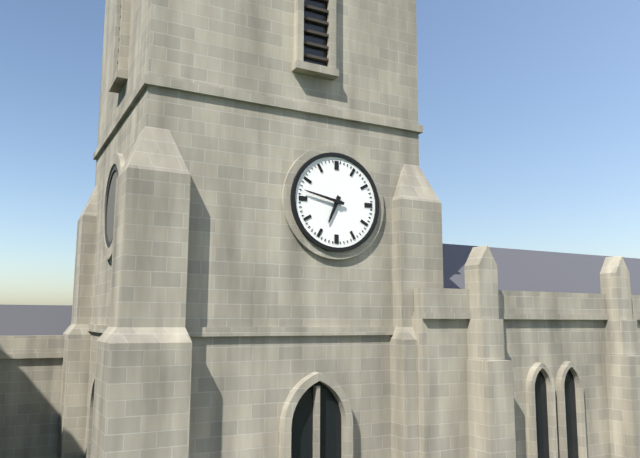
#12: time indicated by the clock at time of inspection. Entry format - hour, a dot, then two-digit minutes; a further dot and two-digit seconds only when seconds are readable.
6.47
